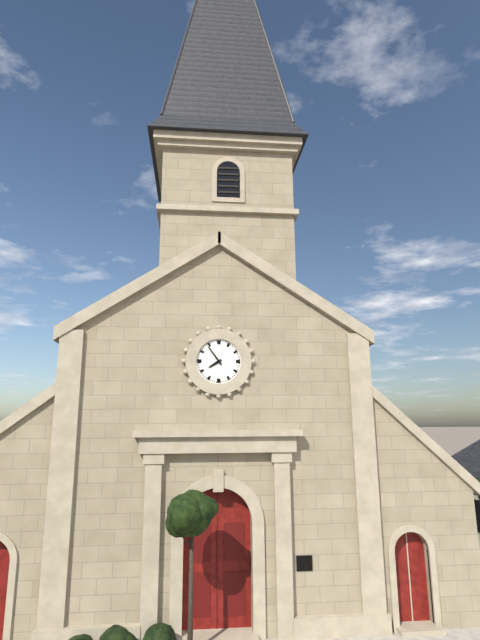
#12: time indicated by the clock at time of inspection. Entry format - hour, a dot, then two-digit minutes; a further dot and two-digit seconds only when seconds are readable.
7.54
